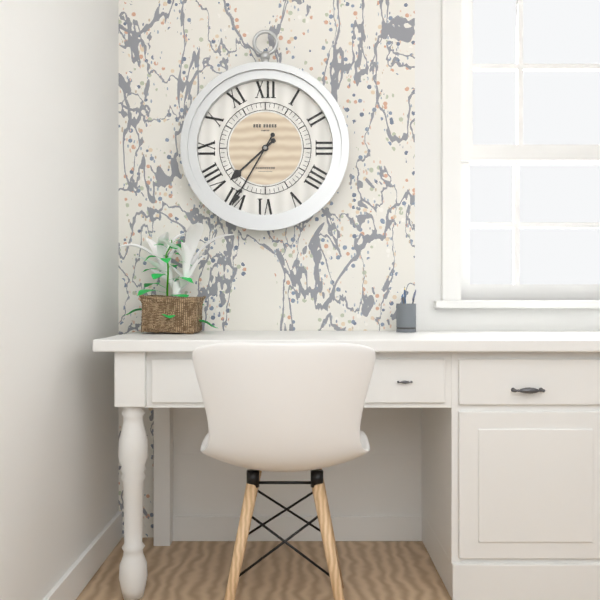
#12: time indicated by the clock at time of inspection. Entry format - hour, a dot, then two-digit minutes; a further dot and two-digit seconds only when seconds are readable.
7.35
